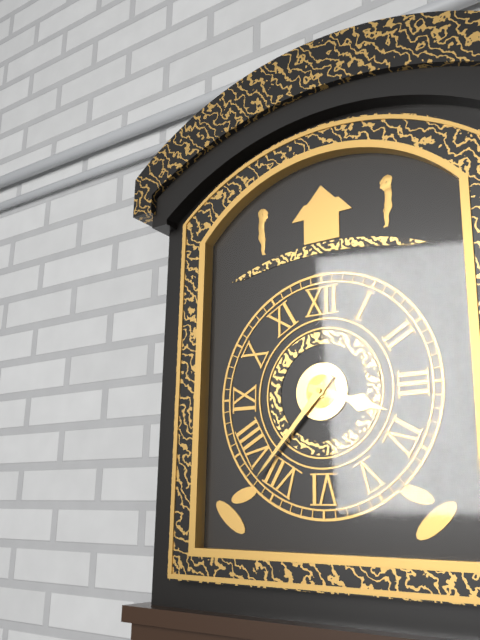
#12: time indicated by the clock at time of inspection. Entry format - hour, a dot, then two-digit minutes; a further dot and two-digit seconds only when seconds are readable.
3.37
